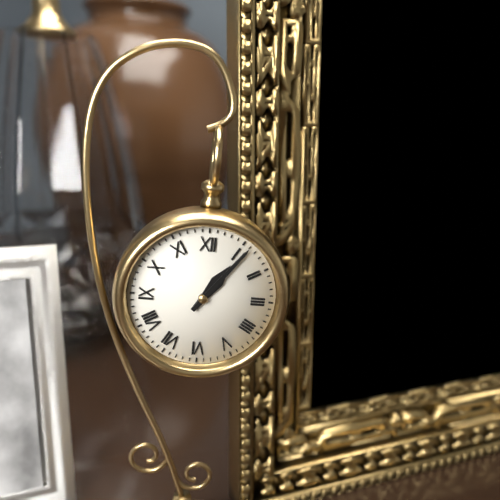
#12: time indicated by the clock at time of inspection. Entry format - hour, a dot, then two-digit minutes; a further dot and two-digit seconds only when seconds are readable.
1.06
